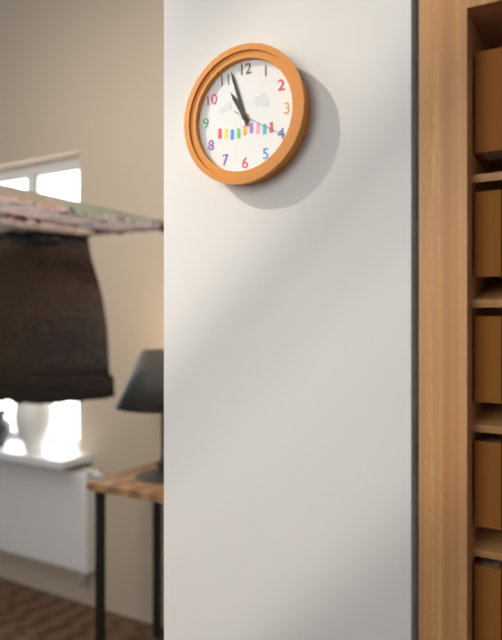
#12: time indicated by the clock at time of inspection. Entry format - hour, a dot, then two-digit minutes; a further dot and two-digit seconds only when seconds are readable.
10.57.20
